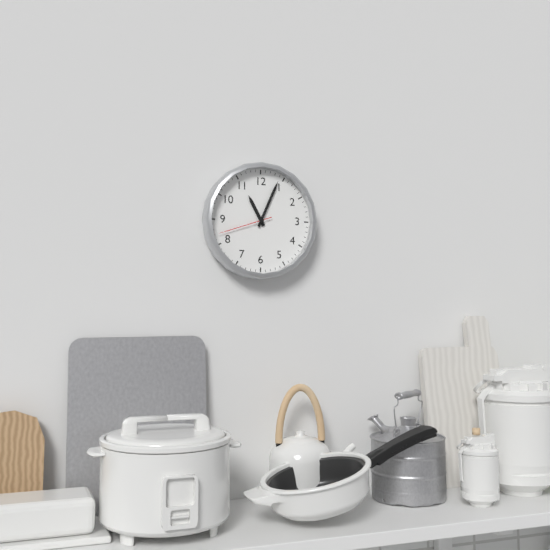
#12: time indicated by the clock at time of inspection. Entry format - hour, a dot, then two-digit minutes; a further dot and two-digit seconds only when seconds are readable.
11.04.42
